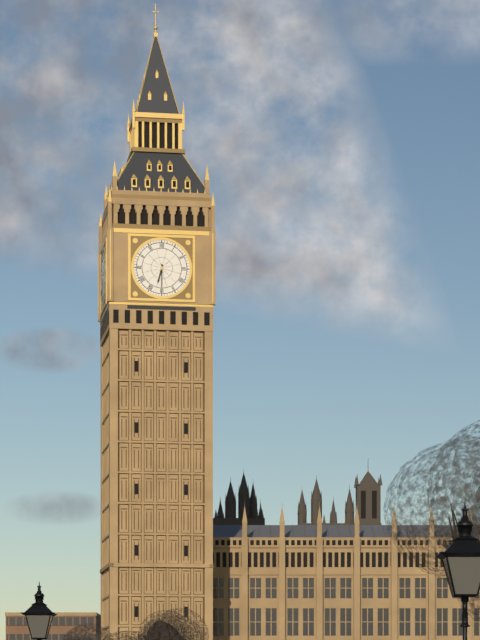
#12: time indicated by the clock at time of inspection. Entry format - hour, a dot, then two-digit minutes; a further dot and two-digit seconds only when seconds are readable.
6.30
